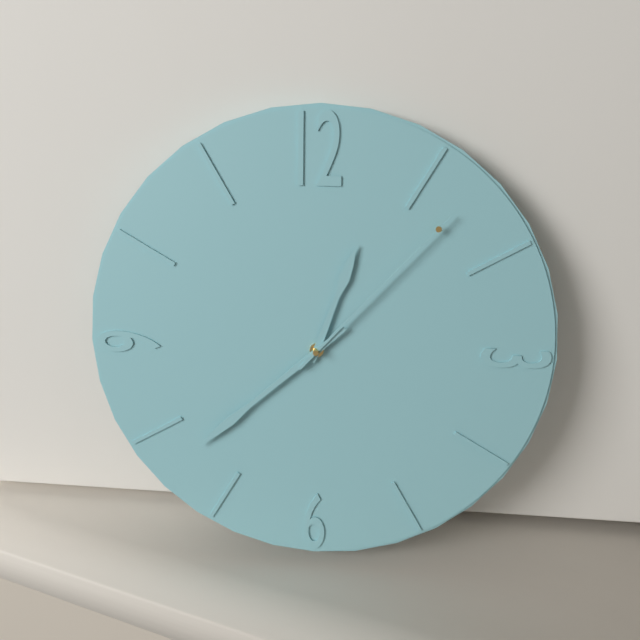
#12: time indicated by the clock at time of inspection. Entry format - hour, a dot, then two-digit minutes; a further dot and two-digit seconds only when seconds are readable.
12.38.07
